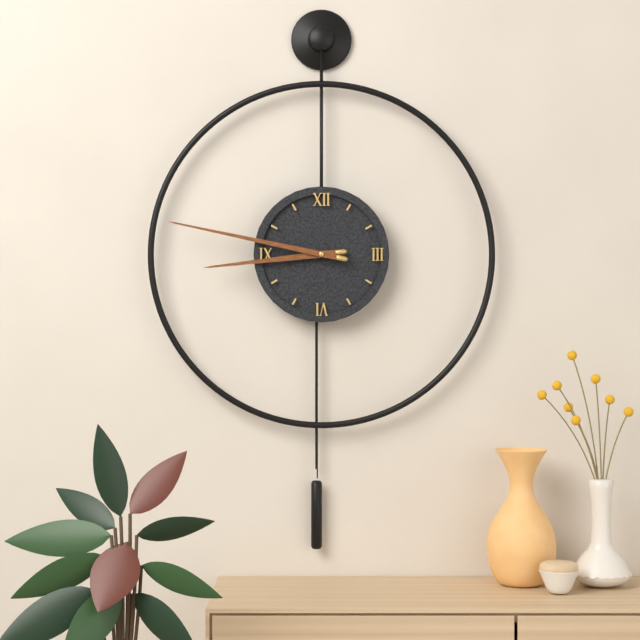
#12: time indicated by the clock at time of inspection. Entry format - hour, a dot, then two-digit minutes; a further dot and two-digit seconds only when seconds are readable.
8.47
